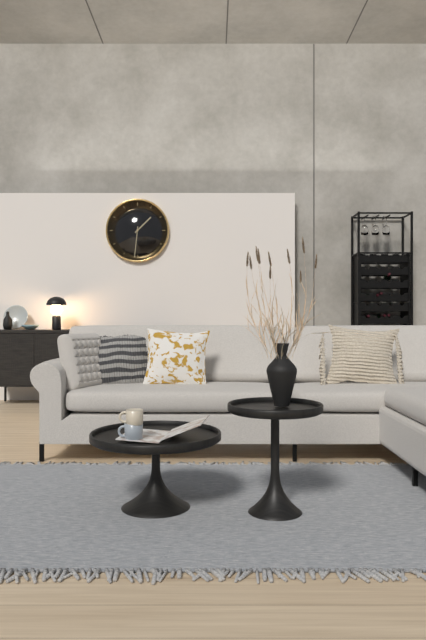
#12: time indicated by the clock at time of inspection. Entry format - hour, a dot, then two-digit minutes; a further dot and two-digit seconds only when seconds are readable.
1.31
